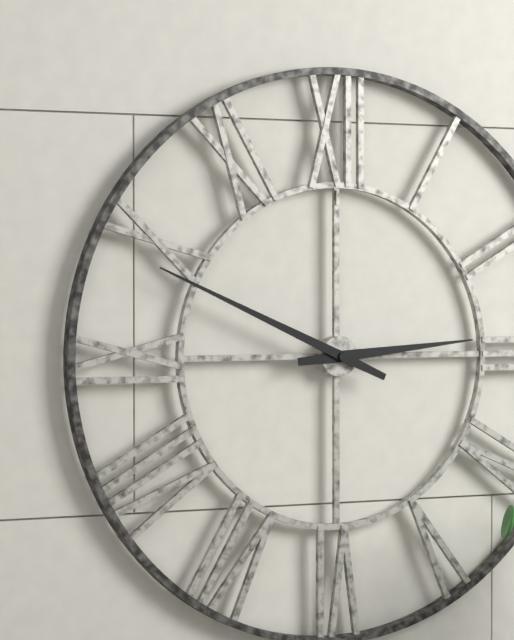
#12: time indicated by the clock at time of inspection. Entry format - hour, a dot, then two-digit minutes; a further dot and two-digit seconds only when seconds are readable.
2.49
